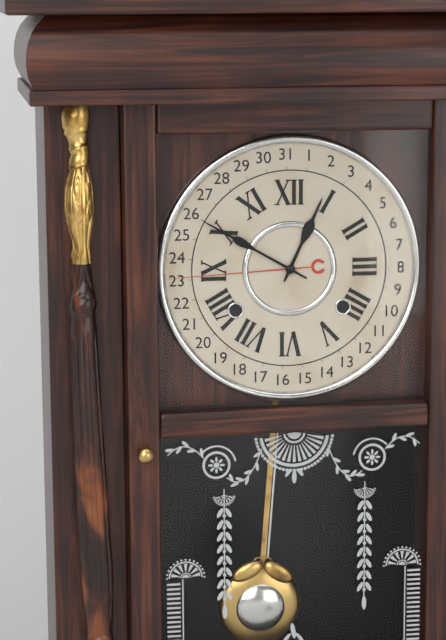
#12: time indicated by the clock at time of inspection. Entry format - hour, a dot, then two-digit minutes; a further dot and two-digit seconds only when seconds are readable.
12.50
